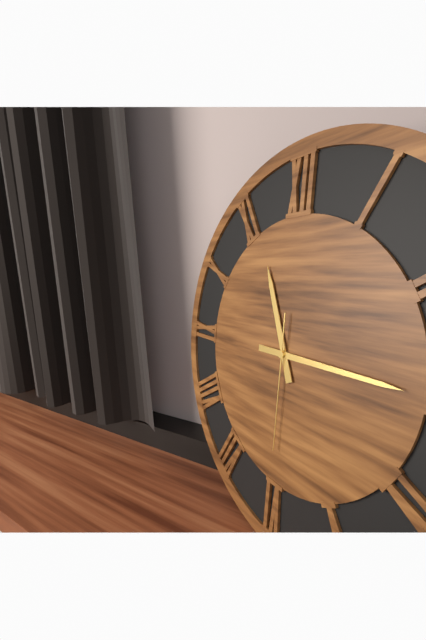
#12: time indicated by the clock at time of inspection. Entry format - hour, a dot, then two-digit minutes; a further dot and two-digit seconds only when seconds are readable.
11.15.30
